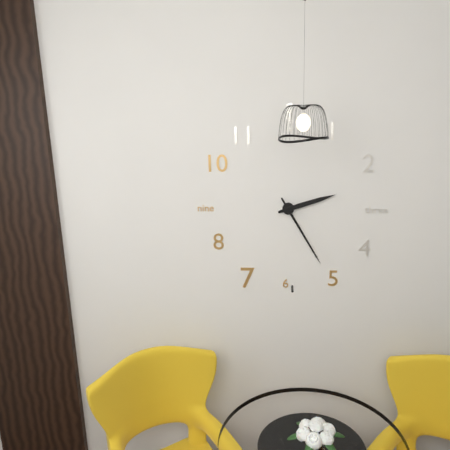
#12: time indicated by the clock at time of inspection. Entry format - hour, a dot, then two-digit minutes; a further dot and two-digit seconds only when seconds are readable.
2.25
